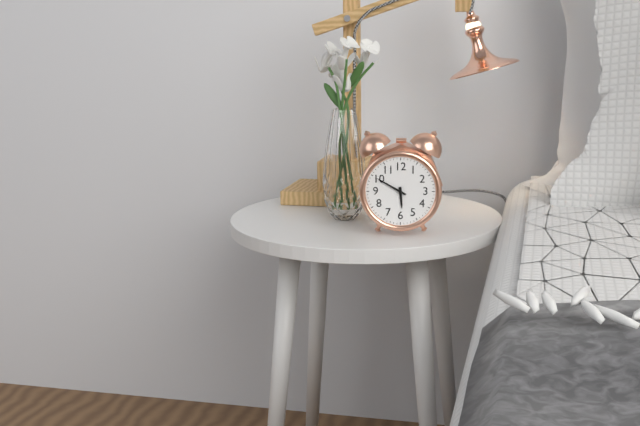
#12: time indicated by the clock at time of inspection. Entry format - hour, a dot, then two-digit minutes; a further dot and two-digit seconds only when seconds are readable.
5.50
